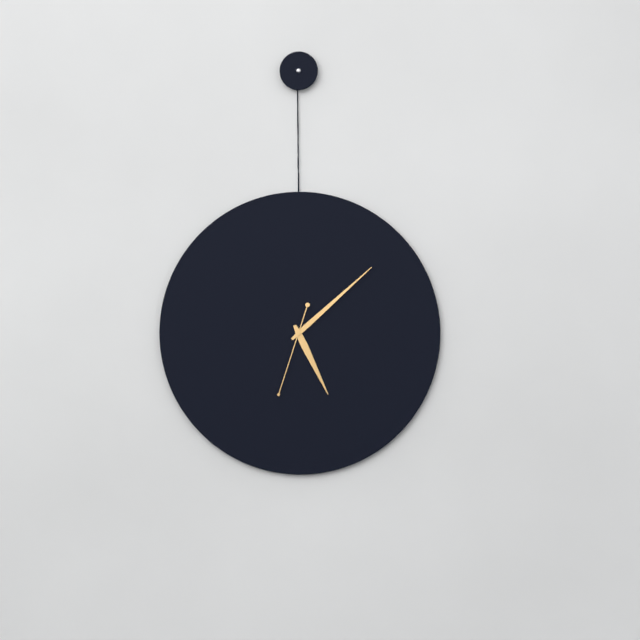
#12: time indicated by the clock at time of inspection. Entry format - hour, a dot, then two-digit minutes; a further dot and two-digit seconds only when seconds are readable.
5.08.33
